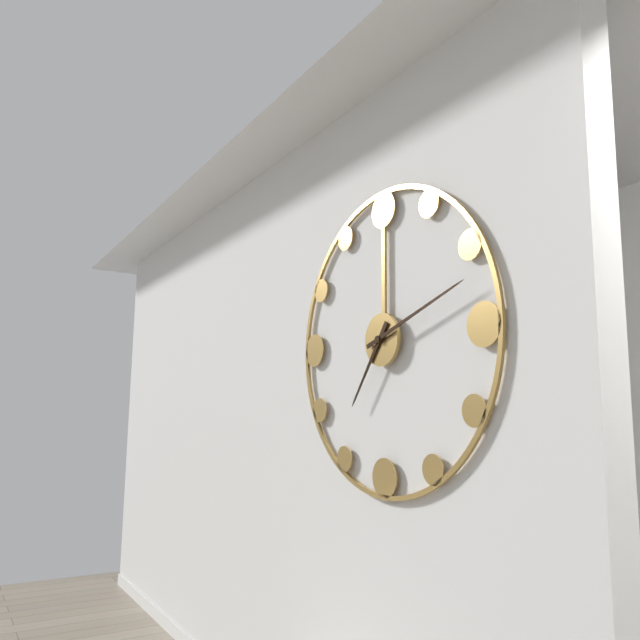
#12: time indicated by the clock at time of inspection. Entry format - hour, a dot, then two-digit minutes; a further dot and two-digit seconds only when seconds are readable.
7.12
